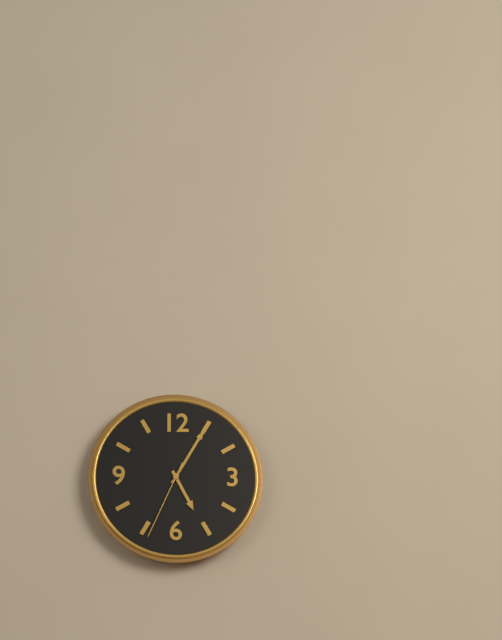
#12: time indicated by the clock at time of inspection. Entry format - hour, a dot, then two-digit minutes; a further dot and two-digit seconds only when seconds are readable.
5.05.34
